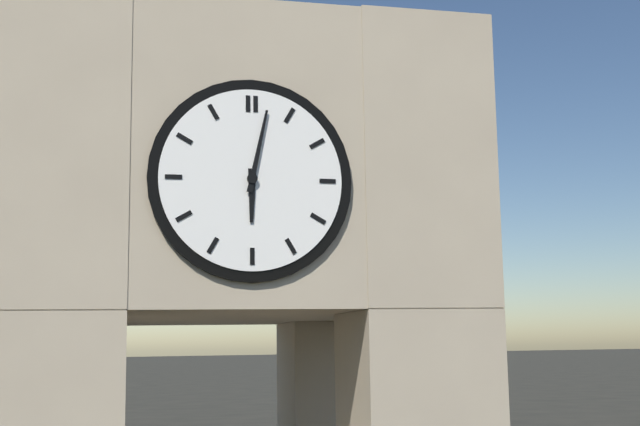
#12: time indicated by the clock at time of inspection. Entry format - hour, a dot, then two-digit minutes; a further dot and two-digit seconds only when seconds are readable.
6.02
